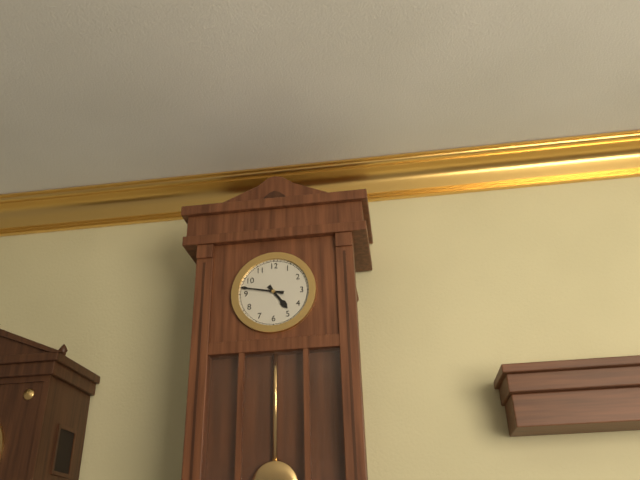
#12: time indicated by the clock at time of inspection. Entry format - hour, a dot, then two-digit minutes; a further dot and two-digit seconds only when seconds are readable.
4.47
